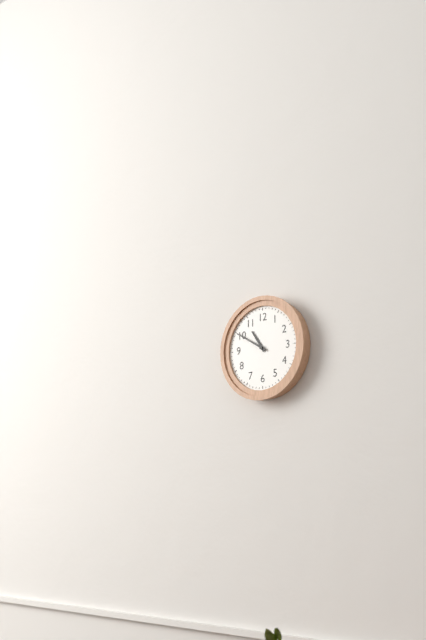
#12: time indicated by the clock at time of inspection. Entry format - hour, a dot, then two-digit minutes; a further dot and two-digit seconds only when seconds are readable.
10.50
